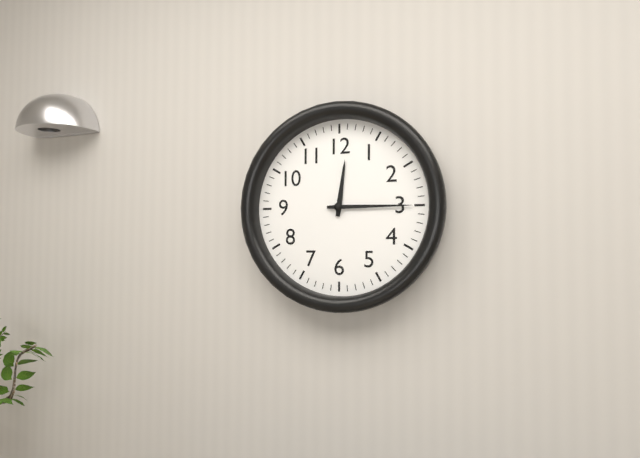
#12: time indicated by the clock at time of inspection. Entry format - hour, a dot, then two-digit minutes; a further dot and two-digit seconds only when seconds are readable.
12.15
